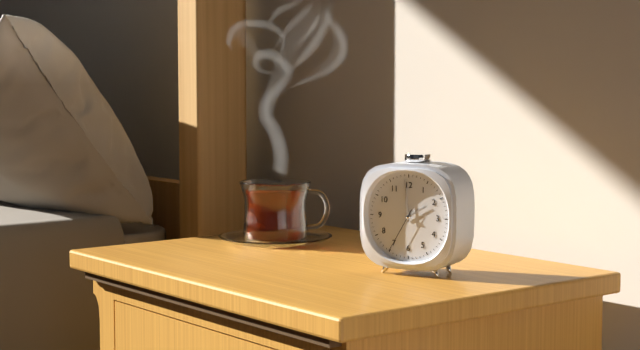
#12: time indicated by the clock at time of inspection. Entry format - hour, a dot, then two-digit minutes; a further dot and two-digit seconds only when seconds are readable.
1.59
